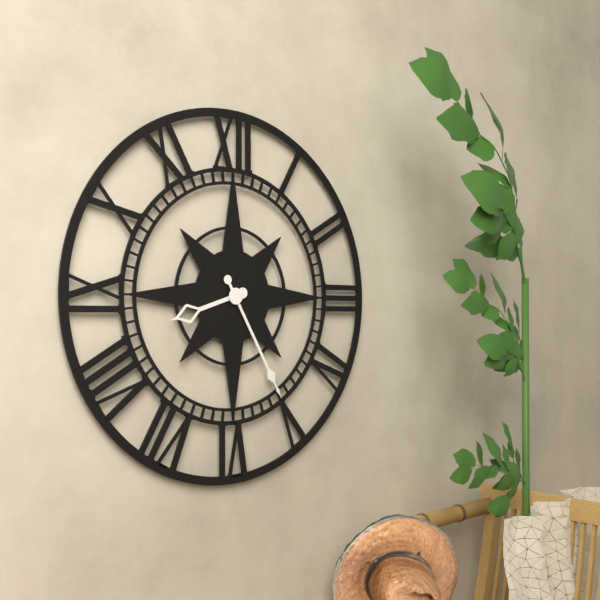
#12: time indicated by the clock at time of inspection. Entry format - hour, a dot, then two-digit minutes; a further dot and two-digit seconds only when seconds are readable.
8.25
